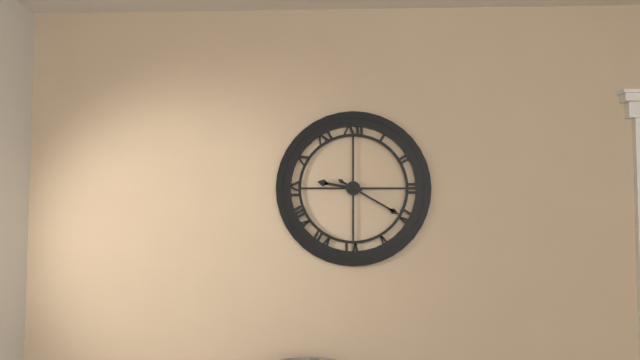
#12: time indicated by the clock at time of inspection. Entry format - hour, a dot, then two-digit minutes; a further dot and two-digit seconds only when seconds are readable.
9.20
